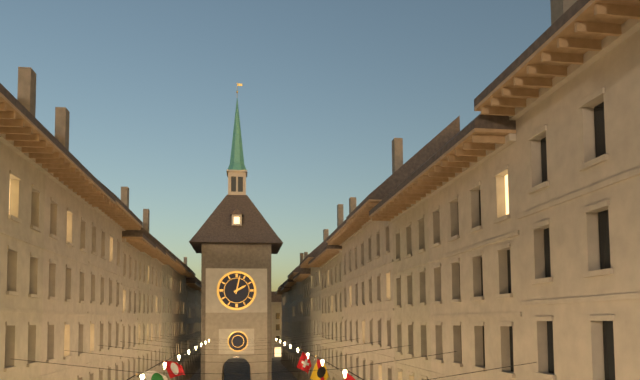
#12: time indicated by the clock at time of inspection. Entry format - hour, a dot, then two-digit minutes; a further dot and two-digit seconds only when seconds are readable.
2.02
